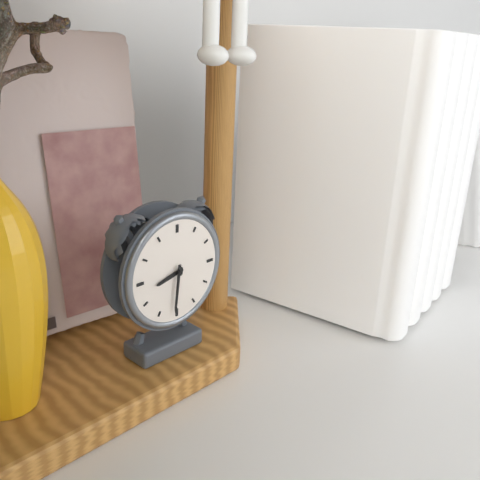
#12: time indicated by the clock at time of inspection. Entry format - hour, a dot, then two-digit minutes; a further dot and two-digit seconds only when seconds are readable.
8.31
